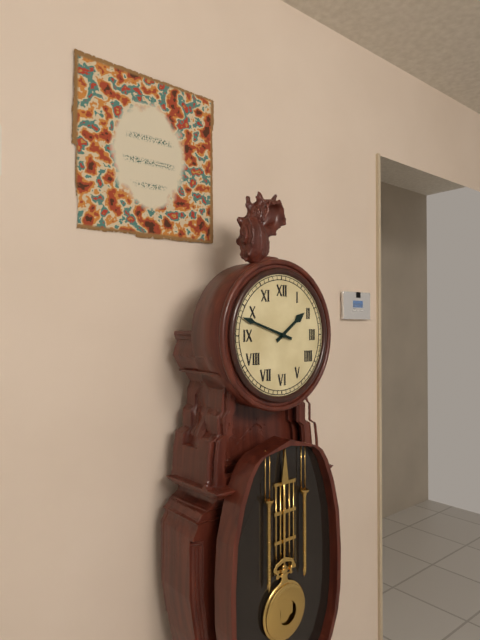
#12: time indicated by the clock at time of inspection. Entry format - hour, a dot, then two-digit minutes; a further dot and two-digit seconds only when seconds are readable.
1.48
